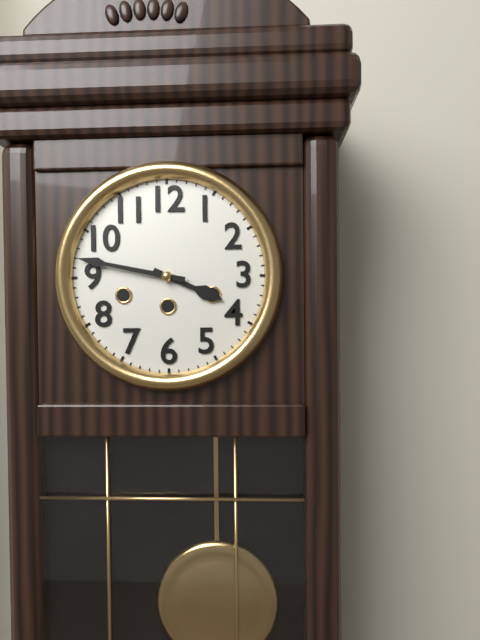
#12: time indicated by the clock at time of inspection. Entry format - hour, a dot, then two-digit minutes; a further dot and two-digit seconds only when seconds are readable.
3.47
